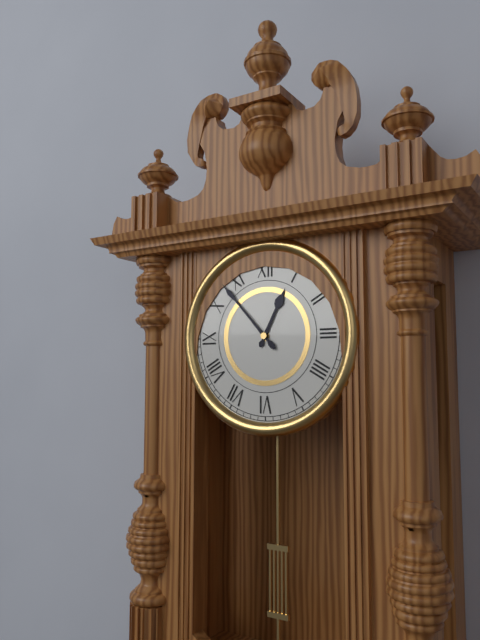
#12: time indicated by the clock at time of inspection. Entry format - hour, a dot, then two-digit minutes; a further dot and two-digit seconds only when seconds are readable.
12.53
